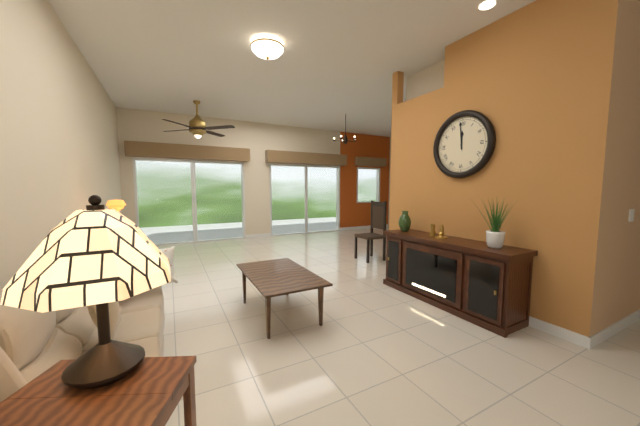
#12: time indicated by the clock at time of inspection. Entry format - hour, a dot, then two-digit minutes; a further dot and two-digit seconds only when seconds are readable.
11.59
